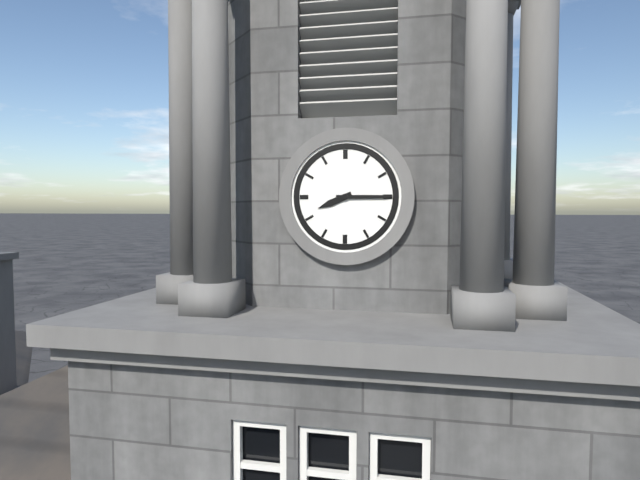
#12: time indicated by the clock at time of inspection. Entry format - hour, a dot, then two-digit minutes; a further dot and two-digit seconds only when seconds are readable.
8.15
